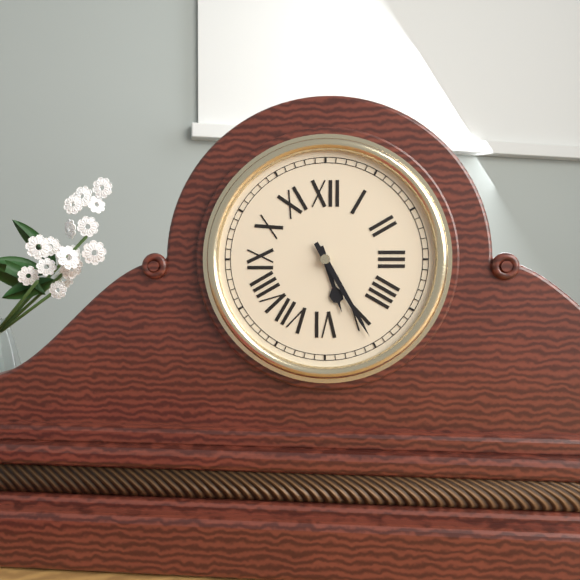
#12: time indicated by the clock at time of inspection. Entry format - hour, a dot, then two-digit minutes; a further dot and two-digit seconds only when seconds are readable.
5.25
